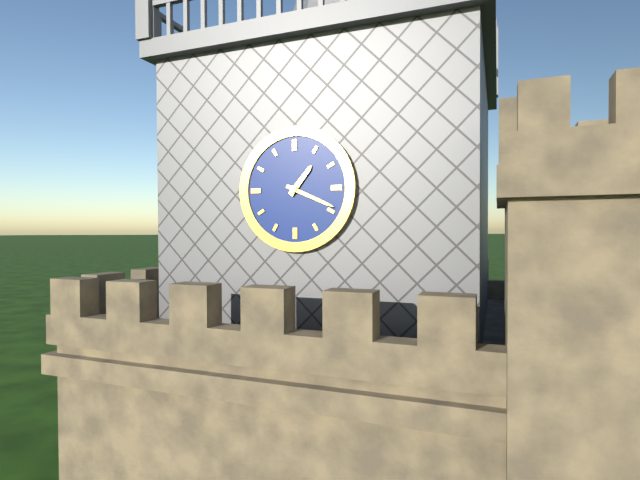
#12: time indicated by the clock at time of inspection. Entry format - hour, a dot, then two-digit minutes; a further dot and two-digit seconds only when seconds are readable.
1.19
